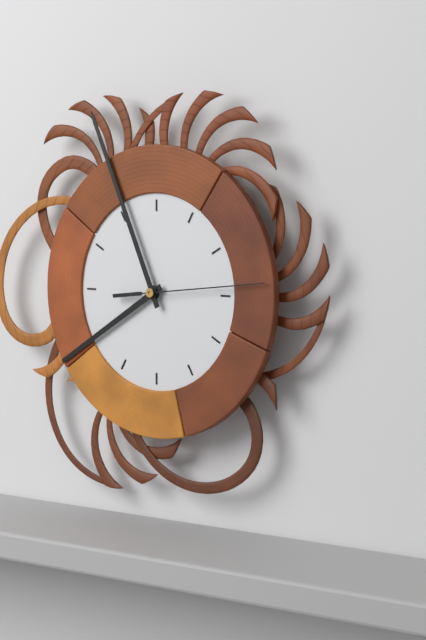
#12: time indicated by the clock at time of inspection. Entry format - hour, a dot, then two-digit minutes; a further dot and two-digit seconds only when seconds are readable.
7.56.14
